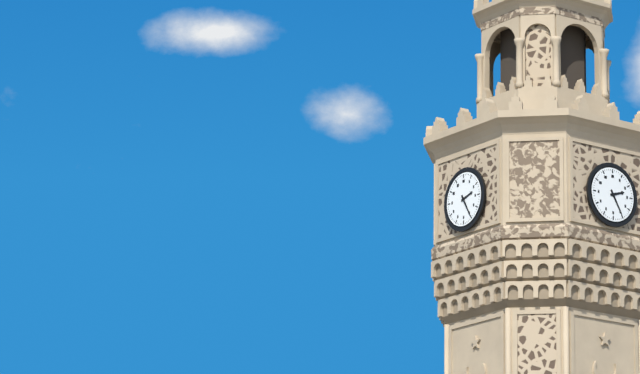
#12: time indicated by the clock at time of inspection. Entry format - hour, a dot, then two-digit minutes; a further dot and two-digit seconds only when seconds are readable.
2.25
